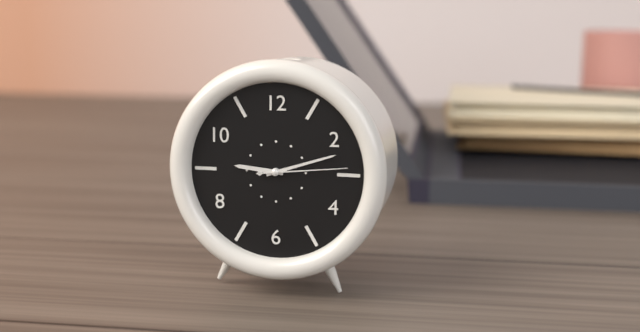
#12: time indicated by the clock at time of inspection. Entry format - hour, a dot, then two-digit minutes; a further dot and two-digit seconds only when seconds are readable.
9.12.14
